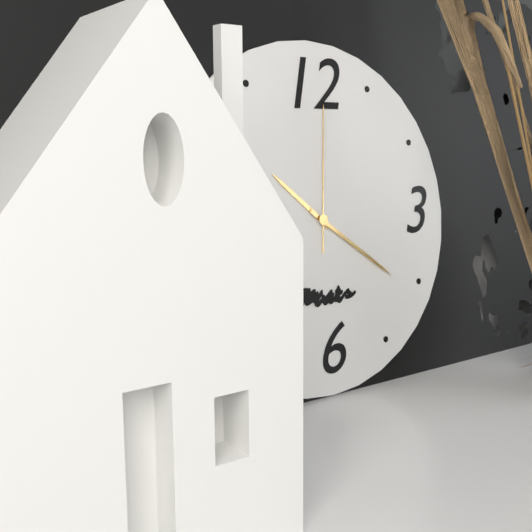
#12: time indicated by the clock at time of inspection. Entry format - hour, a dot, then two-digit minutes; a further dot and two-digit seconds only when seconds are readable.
10.21.01
